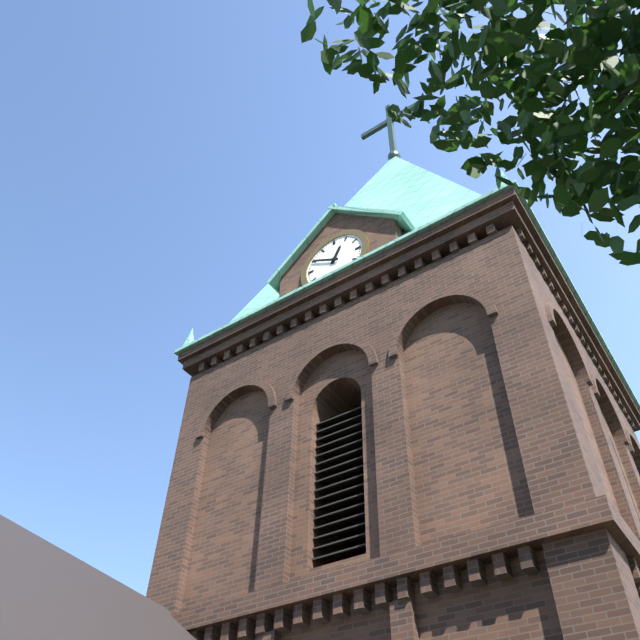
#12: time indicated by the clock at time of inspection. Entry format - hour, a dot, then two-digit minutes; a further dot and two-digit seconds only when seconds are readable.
12.50
